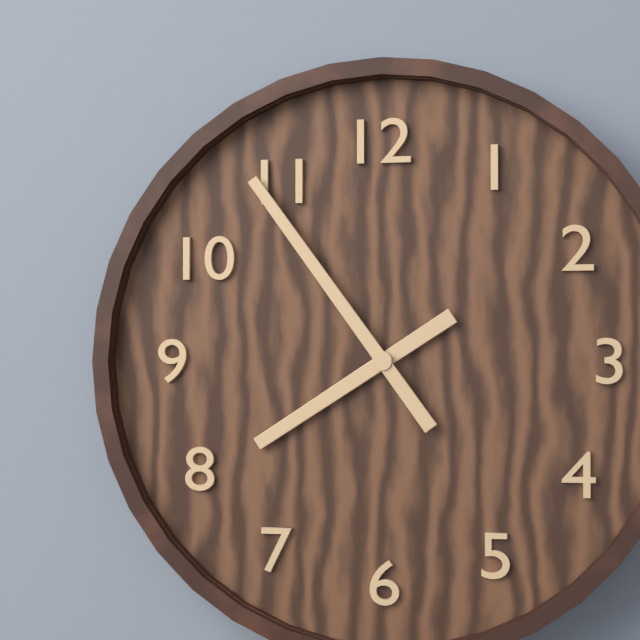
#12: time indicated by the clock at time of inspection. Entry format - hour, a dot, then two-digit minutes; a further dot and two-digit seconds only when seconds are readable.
7.54
